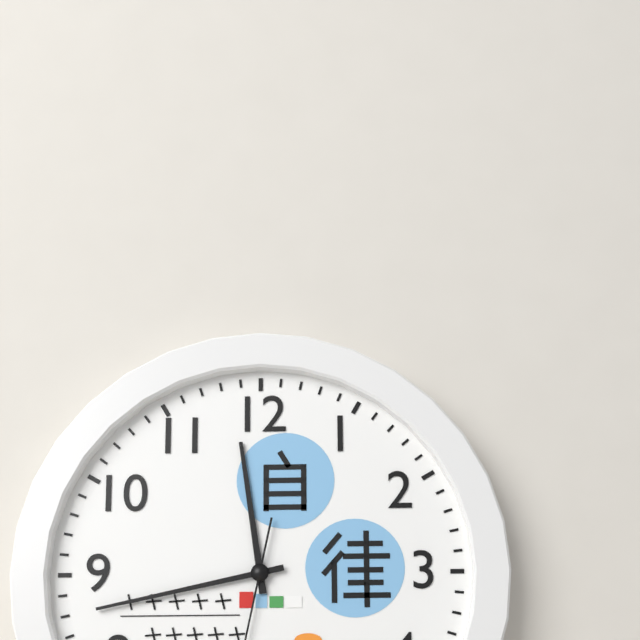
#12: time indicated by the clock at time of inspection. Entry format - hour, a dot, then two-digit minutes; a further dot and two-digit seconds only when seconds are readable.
11.43
